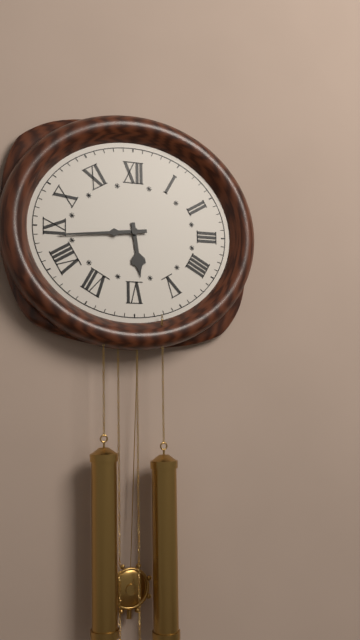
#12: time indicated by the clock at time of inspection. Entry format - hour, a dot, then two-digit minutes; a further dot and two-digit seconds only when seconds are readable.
5.44
